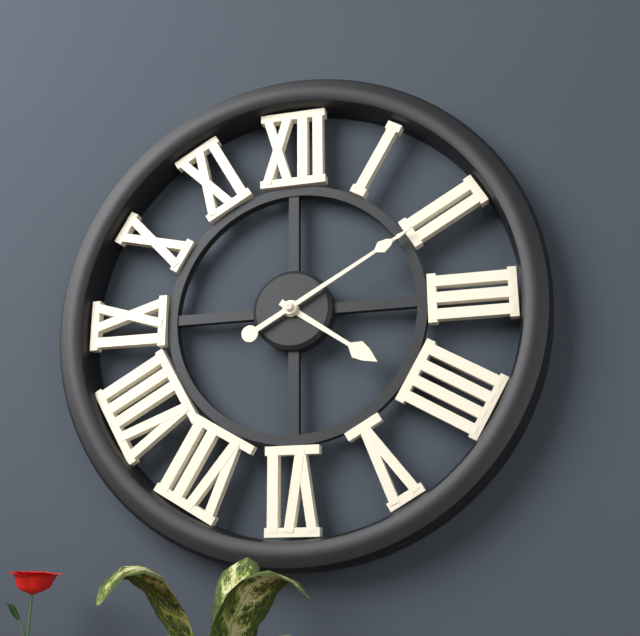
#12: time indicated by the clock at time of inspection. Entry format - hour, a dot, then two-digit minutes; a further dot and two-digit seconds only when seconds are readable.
4.10
